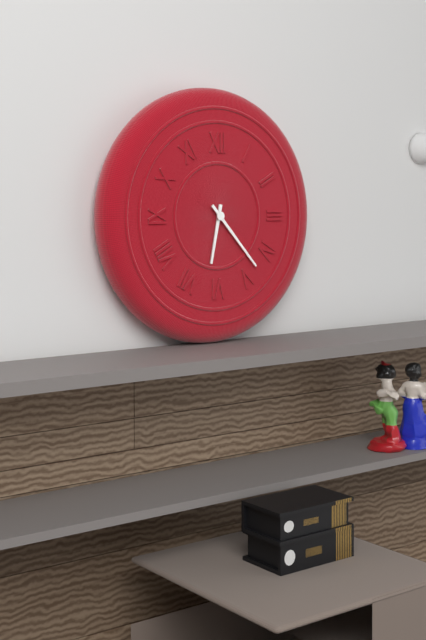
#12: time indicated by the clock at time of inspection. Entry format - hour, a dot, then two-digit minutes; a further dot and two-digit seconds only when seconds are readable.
6.23
